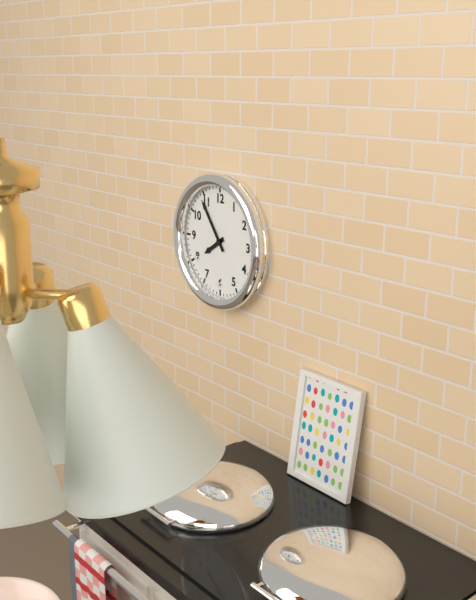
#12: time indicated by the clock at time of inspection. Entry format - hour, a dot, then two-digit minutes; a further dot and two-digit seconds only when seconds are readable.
7.54
